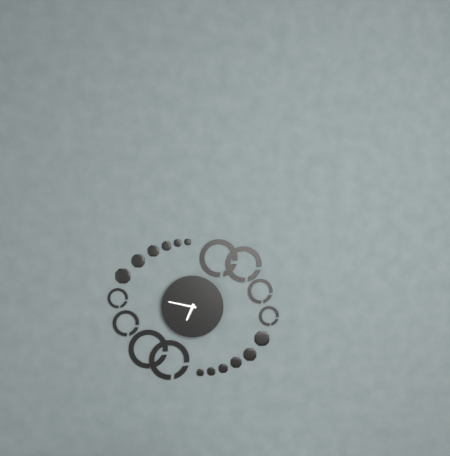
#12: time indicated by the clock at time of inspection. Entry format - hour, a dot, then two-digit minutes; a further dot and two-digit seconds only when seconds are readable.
6.47
